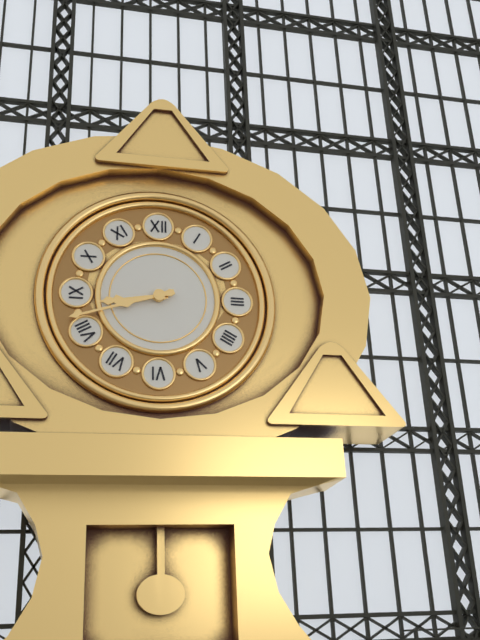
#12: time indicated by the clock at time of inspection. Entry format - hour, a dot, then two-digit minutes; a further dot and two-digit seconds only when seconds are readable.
8.42
